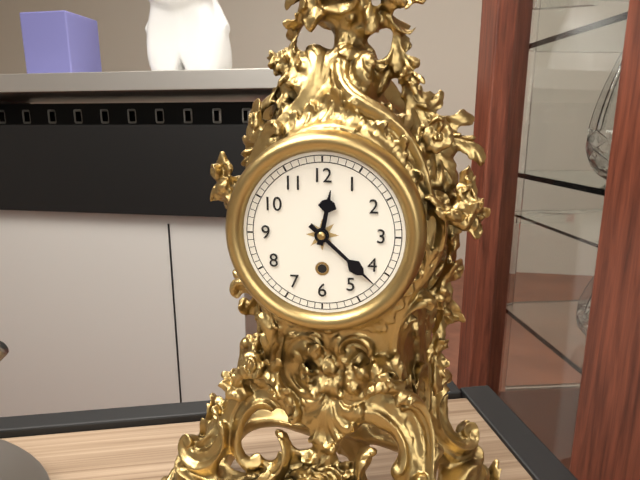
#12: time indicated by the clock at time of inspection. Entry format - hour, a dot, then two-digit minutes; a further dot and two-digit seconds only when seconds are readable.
12.22
